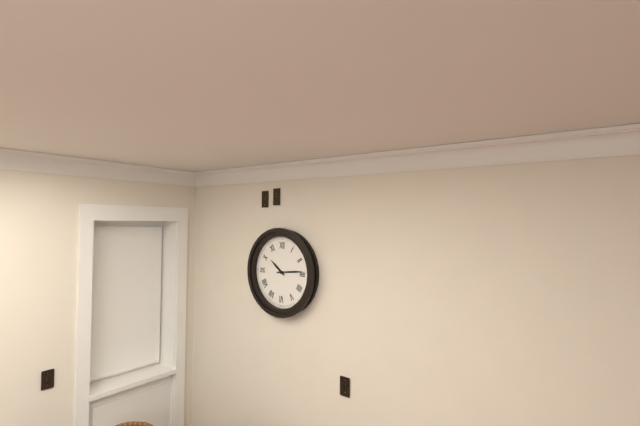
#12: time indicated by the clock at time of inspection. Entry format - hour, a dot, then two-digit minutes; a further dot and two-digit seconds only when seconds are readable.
10.14
